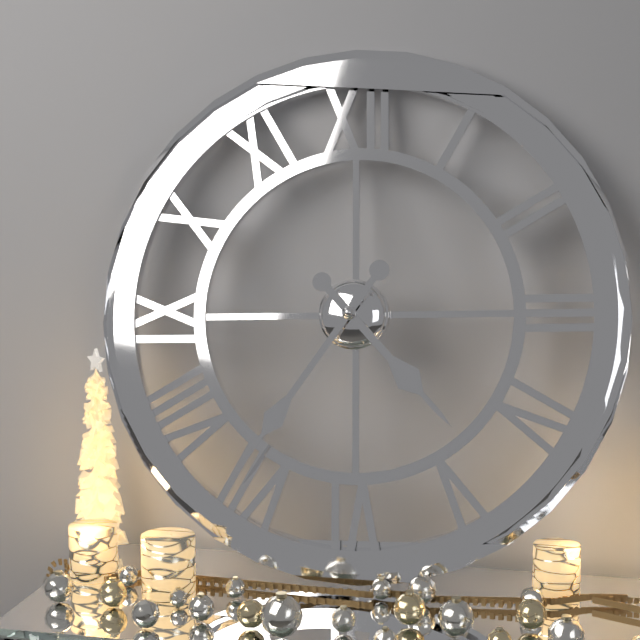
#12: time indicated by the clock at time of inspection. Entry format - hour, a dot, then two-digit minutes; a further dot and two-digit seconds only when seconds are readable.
4.36
